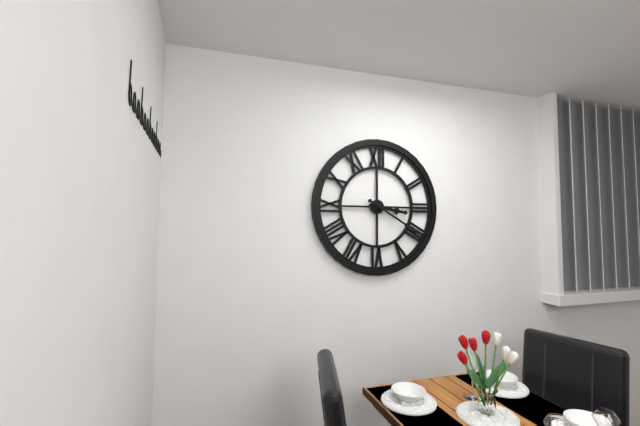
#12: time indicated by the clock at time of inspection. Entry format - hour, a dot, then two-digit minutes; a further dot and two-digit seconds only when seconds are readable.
3.20
